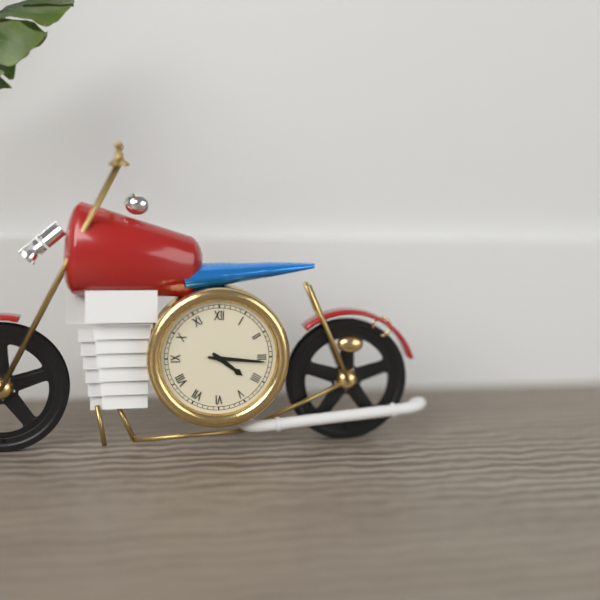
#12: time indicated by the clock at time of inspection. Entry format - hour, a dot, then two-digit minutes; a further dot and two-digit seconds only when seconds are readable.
4.16
